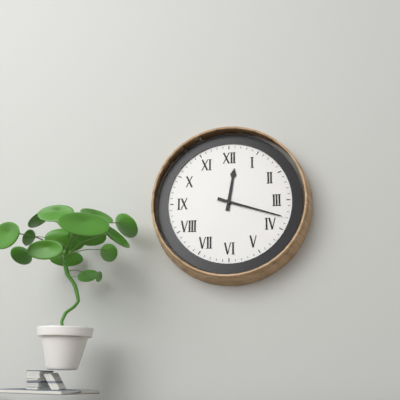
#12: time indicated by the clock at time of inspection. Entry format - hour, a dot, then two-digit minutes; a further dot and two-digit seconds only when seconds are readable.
12.18
